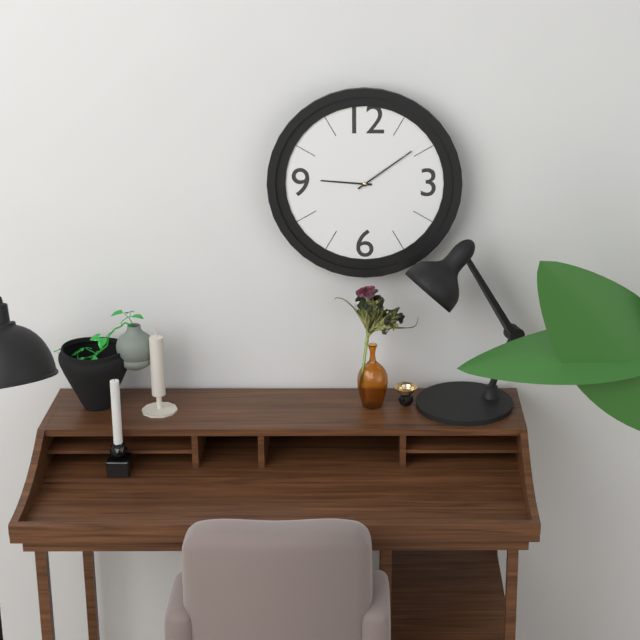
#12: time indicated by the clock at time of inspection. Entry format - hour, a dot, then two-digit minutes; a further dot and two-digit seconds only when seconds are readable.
9.09
